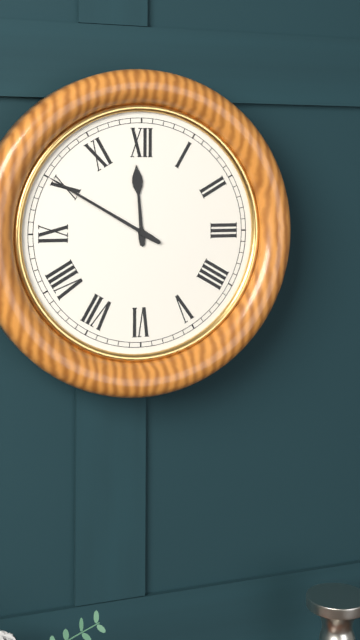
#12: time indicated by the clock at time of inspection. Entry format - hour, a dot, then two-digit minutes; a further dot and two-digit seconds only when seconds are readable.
11.50
